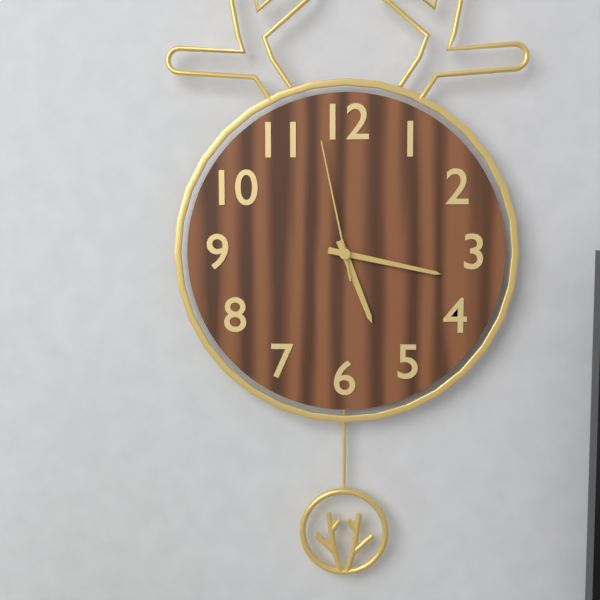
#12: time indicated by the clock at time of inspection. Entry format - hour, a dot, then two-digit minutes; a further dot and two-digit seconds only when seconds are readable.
5.17.58
